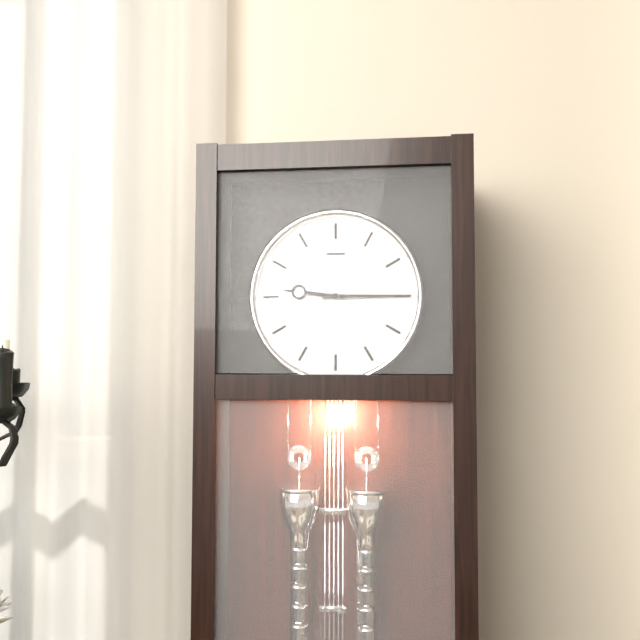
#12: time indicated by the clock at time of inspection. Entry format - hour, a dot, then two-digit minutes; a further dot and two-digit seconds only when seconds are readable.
9.15
